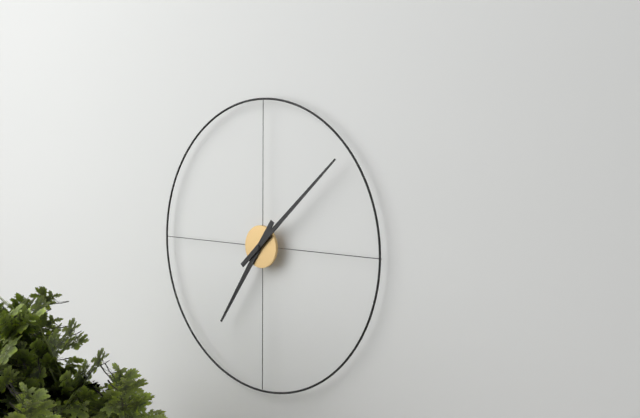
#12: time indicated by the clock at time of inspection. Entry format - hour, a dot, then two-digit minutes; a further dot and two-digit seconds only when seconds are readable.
7.08
